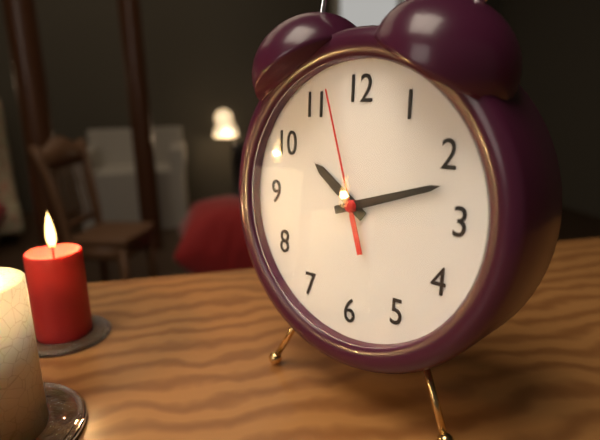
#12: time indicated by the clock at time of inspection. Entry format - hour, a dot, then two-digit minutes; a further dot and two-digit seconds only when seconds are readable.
10.12.57
